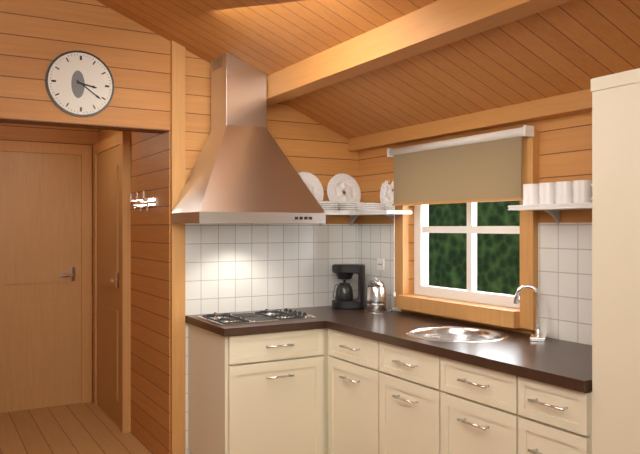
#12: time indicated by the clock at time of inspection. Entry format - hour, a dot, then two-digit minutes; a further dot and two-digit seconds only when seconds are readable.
3.21
